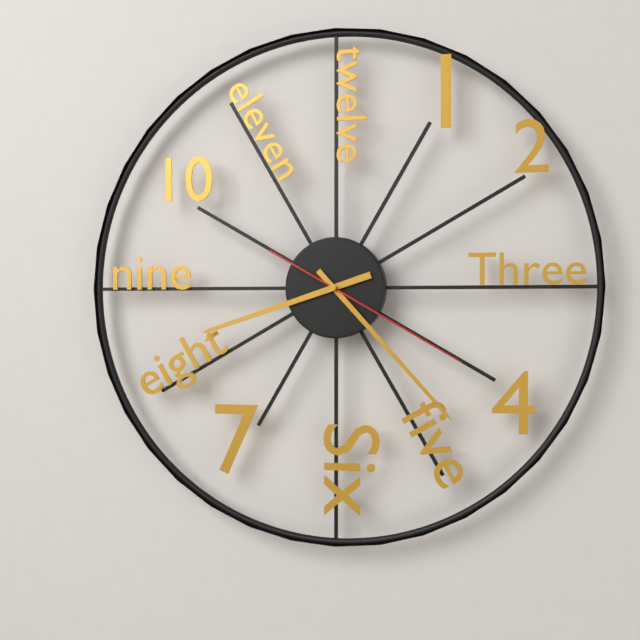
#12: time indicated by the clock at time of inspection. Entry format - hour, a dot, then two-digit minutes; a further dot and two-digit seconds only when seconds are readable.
8.23.20
